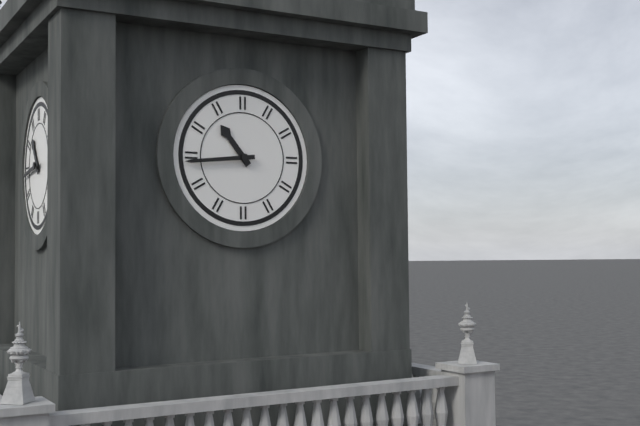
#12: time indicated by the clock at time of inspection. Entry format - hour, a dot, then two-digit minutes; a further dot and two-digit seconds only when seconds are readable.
10.44
